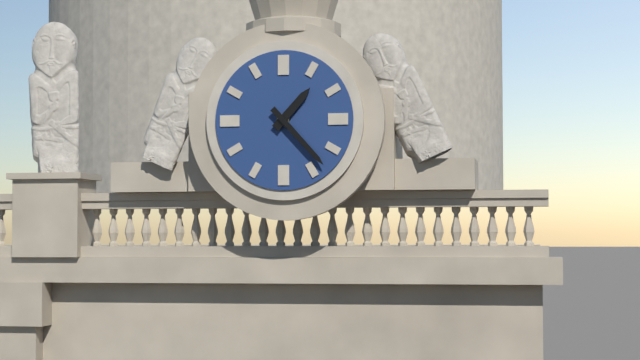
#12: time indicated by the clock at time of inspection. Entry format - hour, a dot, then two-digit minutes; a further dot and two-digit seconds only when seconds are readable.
1.23
